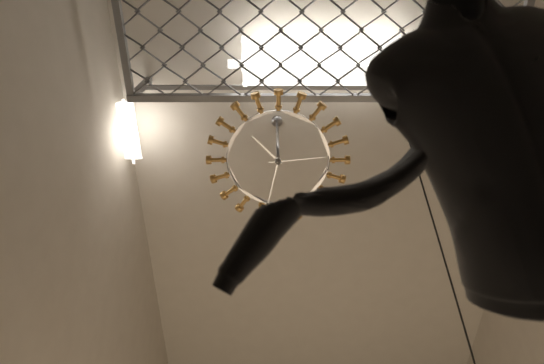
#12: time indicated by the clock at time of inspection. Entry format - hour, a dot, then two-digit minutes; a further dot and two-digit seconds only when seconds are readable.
10.32.14
